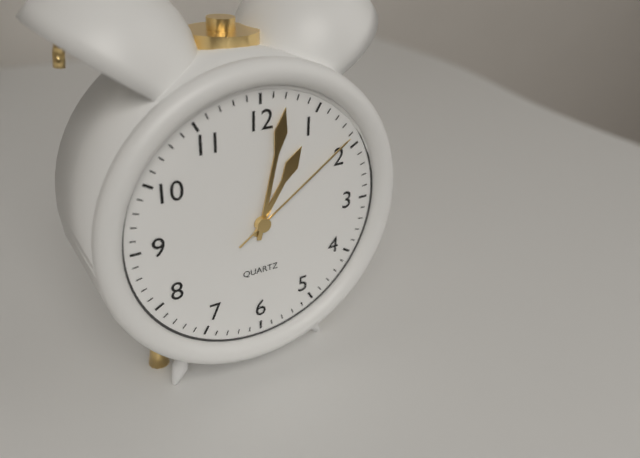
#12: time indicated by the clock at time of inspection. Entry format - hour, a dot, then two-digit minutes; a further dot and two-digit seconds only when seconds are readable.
1.02.09
